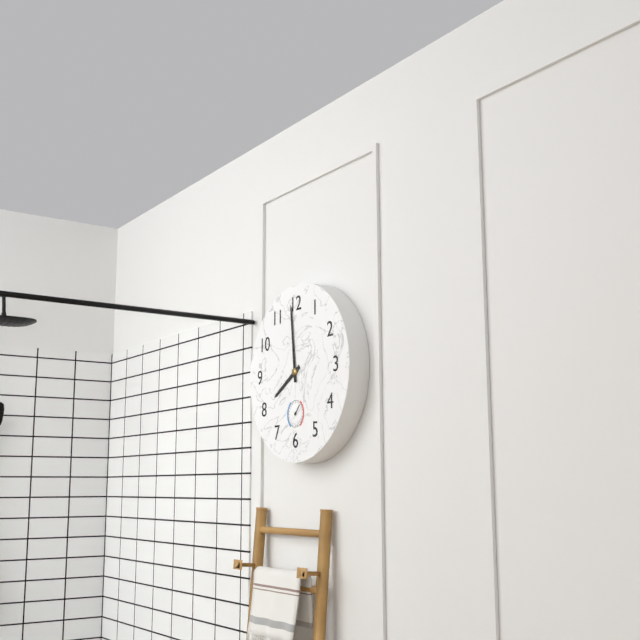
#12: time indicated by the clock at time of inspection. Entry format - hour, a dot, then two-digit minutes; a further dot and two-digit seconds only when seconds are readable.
7.59
